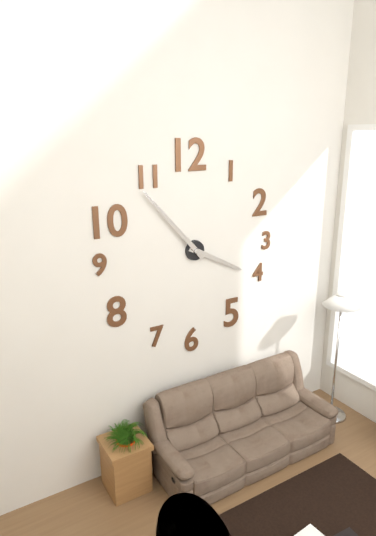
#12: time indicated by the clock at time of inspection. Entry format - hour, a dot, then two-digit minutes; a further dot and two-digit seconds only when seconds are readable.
3.53
